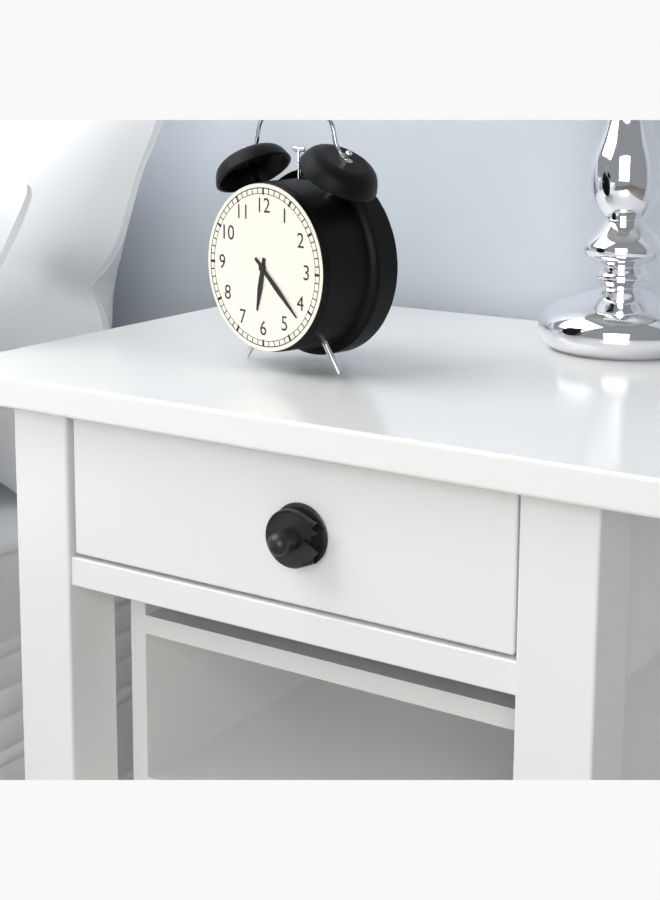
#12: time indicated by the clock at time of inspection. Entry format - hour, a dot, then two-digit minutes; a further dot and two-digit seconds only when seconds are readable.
6.22
